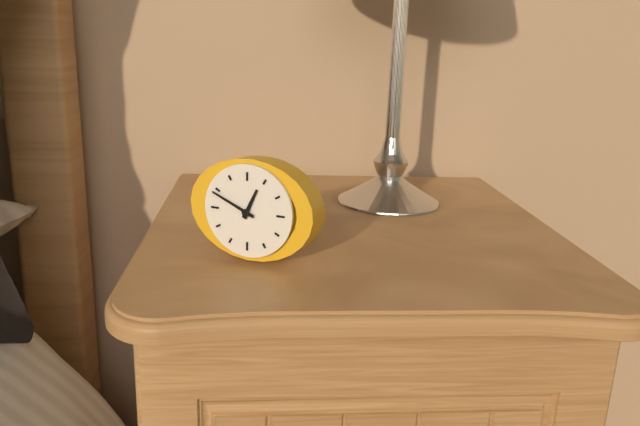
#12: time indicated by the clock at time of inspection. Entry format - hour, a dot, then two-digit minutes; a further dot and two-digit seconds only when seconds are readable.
12.49
